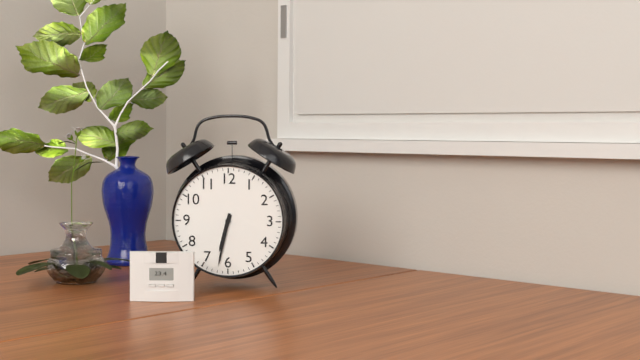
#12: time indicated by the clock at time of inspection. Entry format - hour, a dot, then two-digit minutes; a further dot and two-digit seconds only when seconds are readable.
6.32
